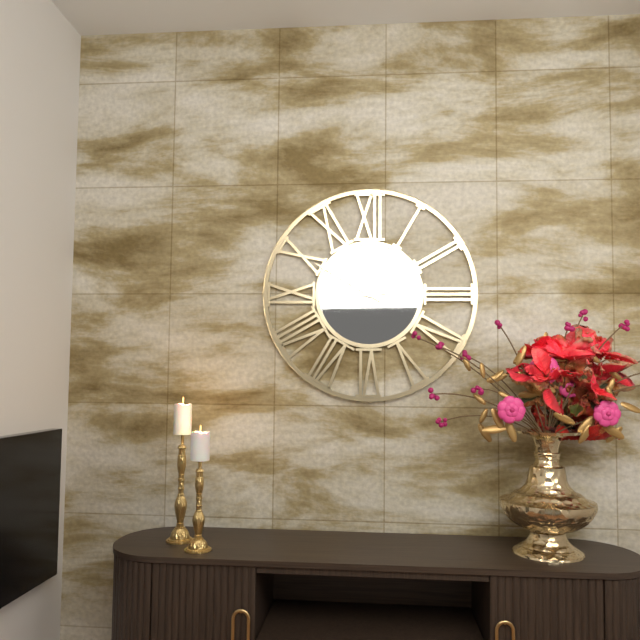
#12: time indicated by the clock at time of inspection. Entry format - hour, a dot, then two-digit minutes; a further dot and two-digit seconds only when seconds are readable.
2.50
